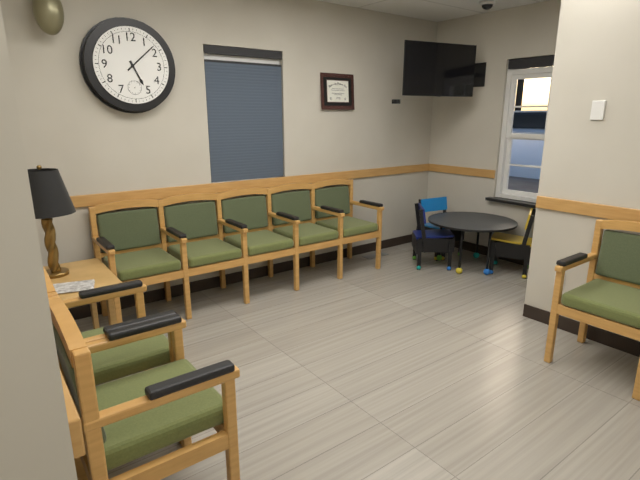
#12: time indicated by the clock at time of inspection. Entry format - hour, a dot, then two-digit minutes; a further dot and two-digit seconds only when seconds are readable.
5.08
